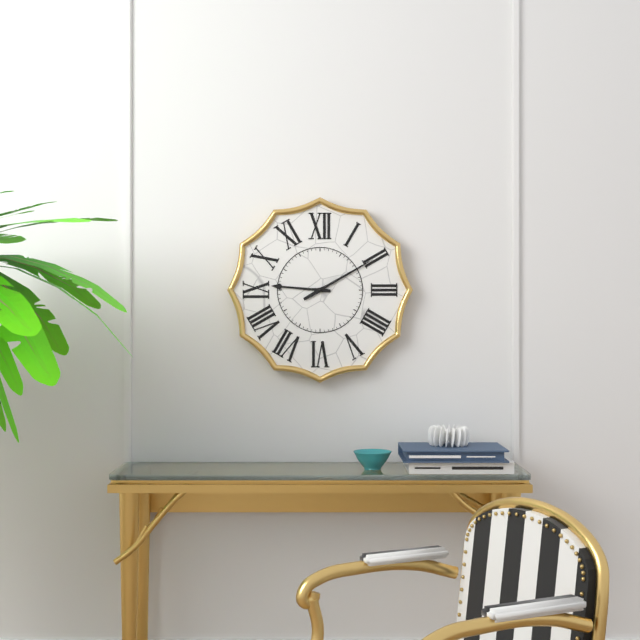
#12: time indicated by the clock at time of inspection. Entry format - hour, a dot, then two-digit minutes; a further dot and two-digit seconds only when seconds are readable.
9.10
